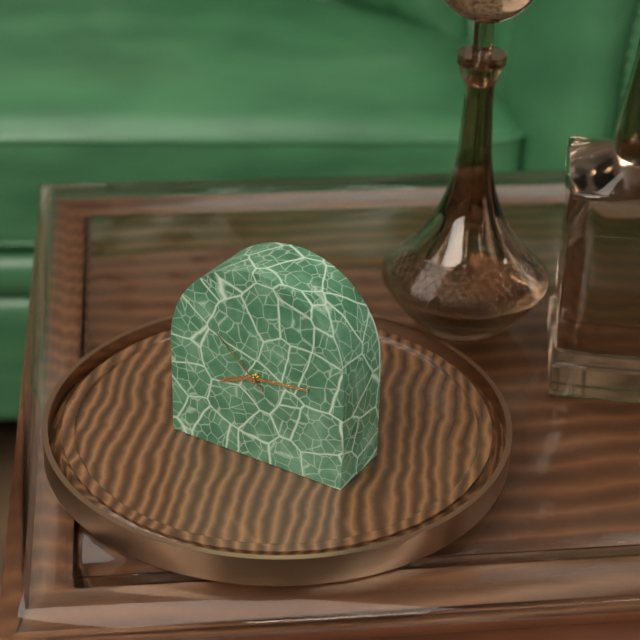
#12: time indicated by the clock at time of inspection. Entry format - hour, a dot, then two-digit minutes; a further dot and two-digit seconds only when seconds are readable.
8.14.52
